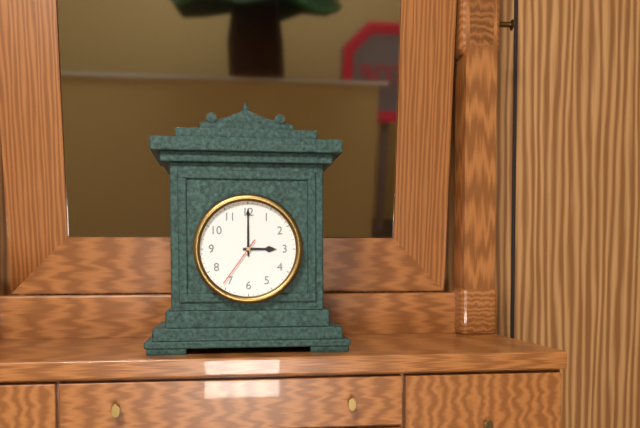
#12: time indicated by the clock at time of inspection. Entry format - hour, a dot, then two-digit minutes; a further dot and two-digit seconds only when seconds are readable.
3.00.36
